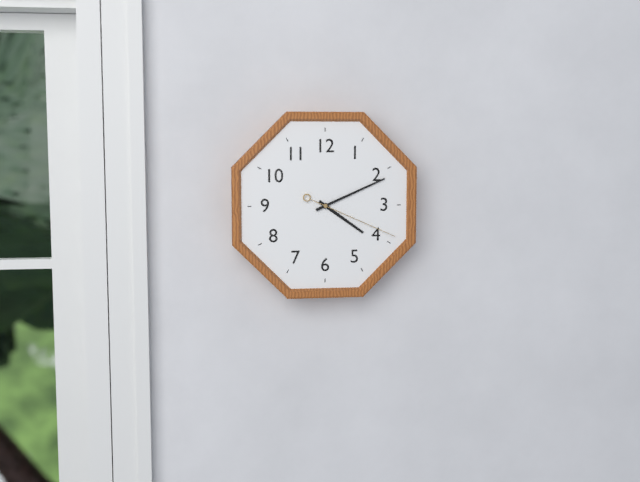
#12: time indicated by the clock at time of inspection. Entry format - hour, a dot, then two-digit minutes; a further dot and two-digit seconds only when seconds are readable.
4.11.19
